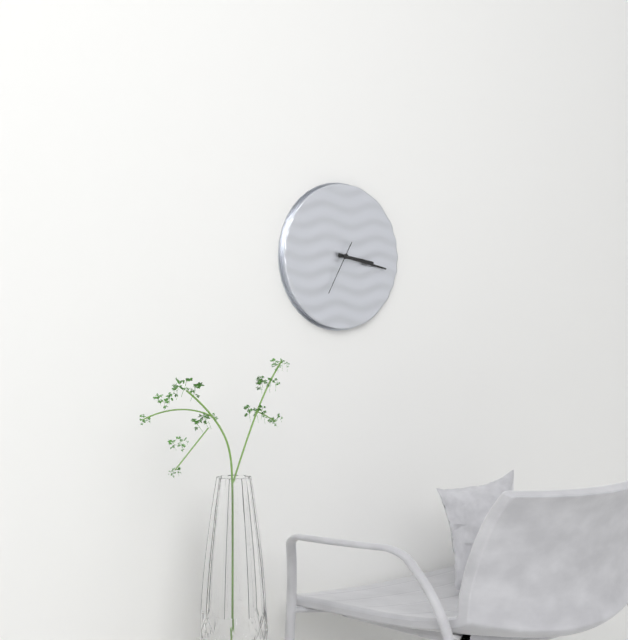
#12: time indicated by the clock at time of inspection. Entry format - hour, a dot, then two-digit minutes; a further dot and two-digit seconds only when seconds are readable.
3.17.35
